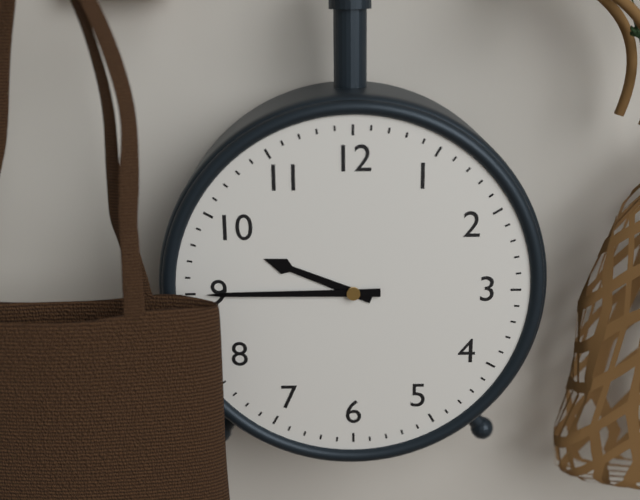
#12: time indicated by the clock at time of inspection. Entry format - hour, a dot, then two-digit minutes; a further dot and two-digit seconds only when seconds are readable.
9.45
